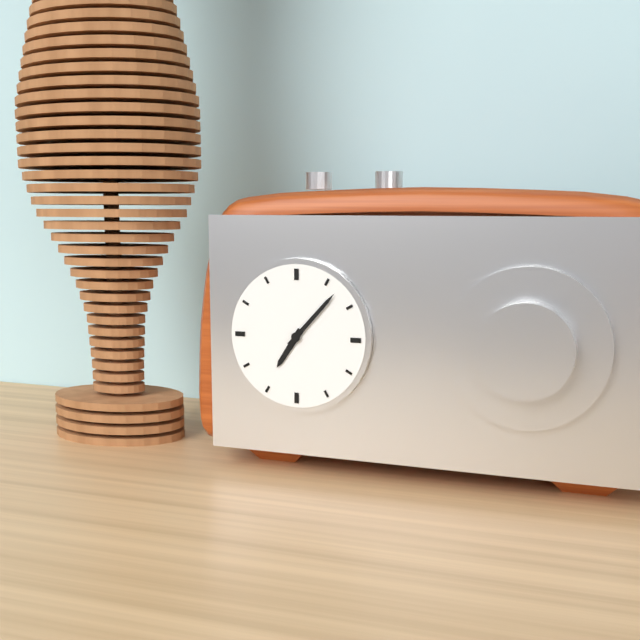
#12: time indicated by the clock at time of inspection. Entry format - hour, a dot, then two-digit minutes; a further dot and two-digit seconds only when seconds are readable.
7.07
